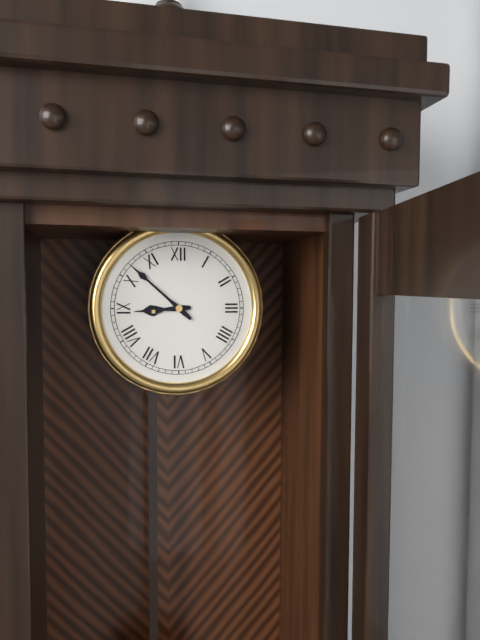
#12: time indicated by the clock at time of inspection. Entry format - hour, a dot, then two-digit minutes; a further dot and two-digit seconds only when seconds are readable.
8.52
